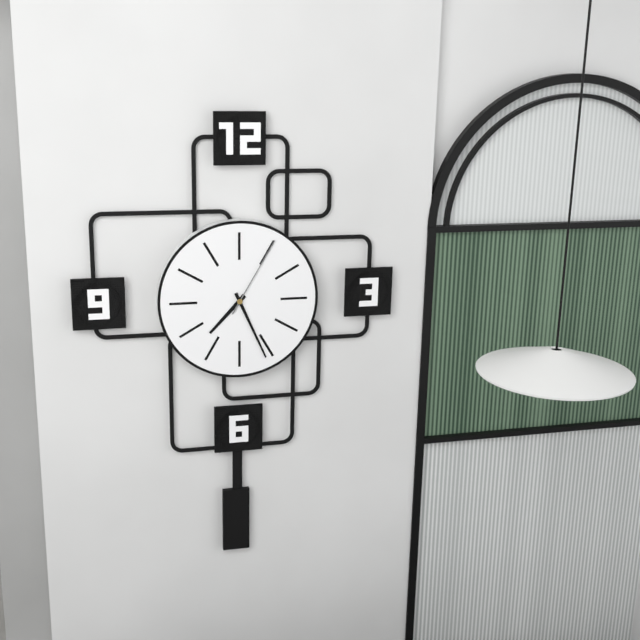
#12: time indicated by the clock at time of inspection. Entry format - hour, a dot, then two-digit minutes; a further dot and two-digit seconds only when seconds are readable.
7.26.05
